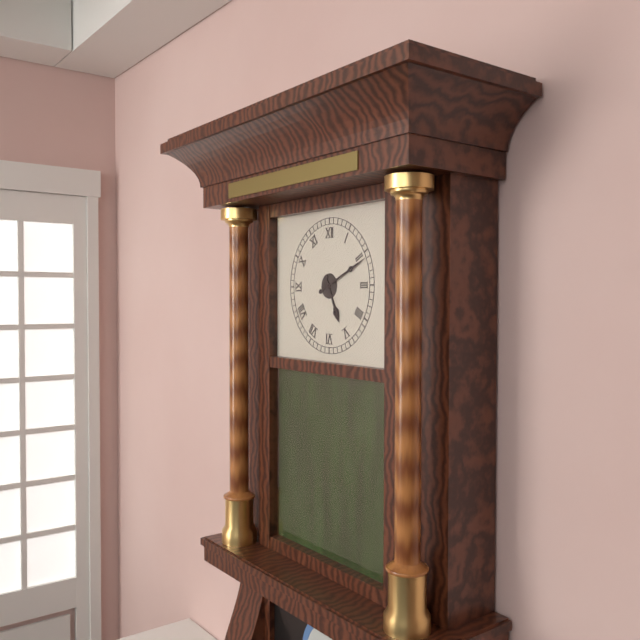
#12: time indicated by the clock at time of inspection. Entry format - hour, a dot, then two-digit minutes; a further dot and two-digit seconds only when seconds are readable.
5.11
